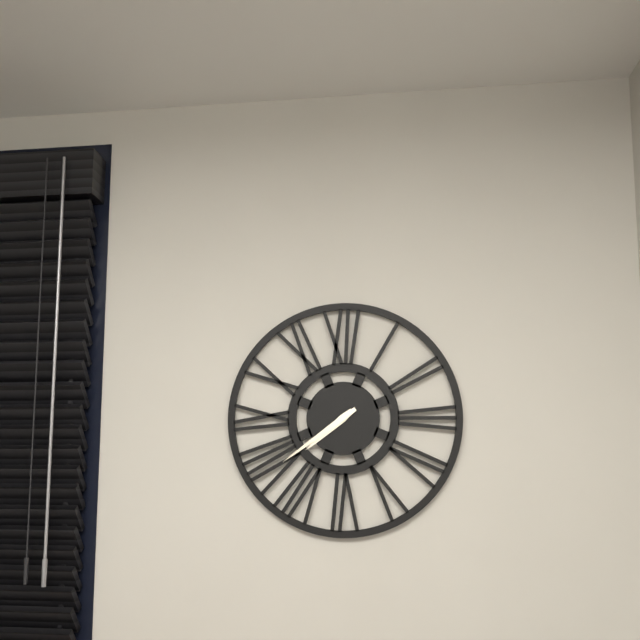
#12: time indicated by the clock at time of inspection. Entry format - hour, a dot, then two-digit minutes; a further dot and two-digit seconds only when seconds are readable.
7.39
